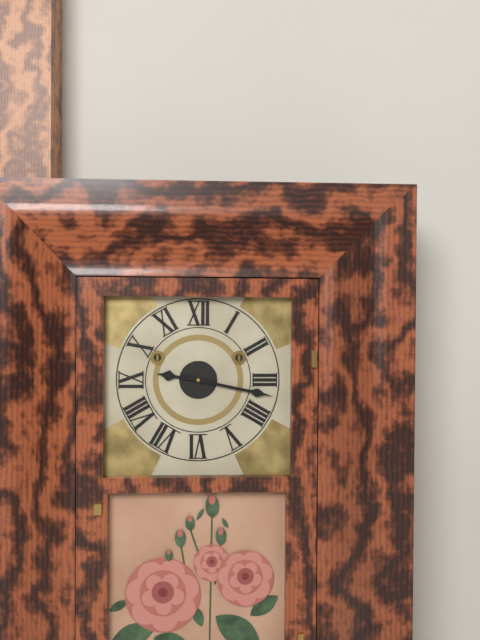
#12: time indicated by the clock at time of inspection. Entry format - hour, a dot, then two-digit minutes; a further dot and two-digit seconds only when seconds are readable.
9.17
